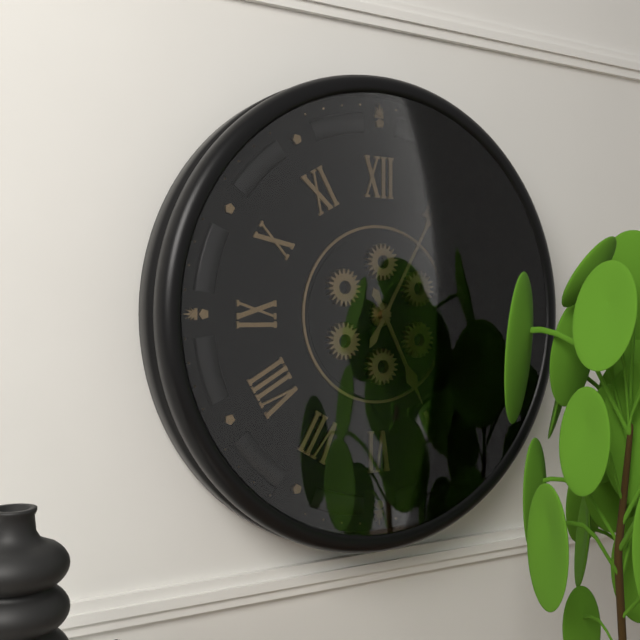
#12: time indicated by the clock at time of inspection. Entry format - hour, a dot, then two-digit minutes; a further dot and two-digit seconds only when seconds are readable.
5.05
